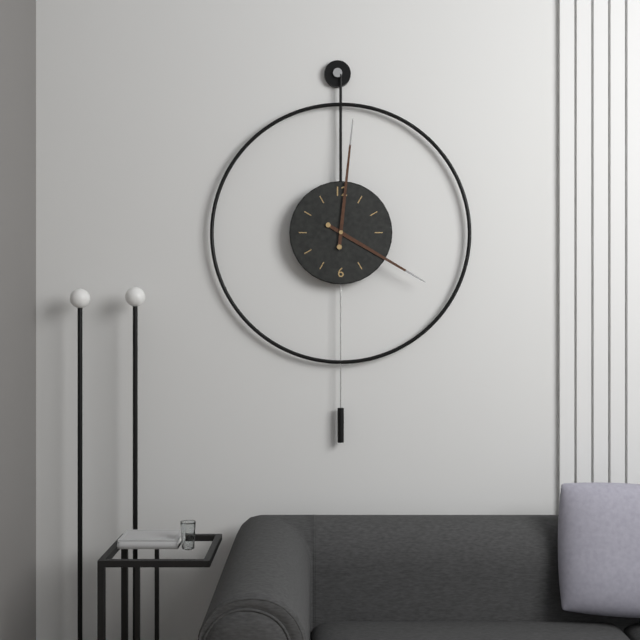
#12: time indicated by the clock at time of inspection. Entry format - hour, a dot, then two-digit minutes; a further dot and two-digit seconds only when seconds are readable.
4.01
